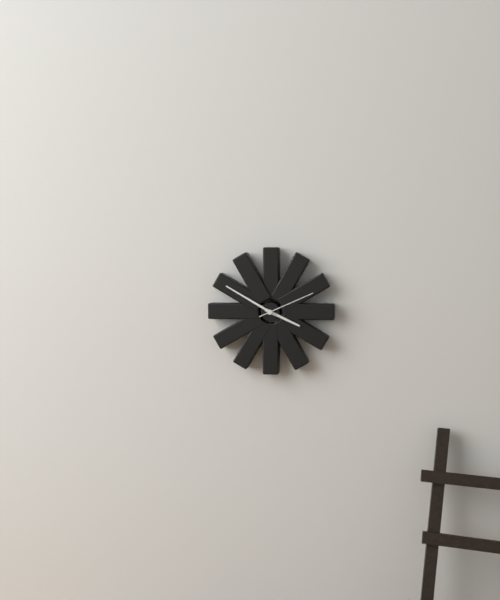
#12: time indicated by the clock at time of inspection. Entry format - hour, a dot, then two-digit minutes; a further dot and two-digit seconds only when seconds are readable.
3.50.11
